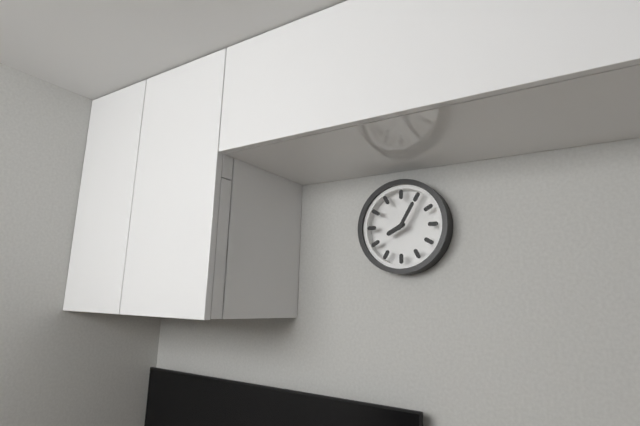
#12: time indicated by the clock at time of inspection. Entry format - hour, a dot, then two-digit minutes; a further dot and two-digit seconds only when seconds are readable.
8.05
